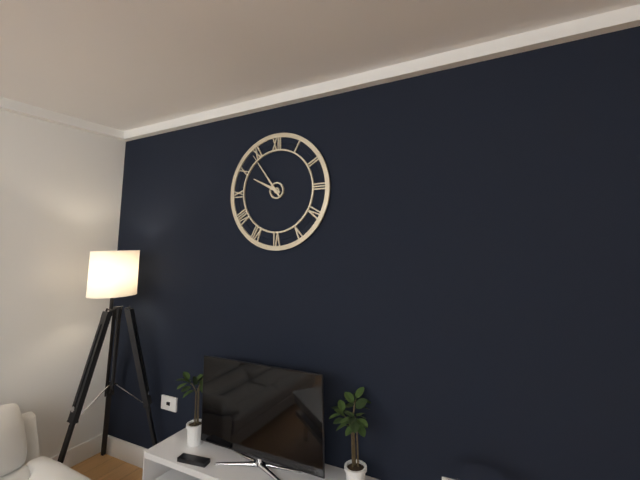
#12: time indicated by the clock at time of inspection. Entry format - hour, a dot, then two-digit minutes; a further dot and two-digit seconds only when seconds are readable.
9.54
